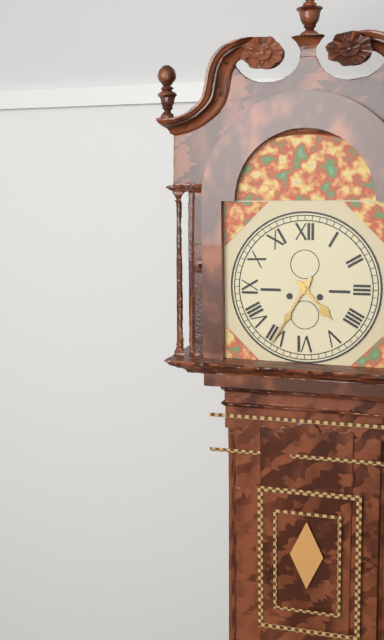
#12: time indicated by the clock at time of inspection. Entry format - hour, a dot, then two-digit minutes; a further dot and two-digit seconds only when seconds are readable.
4.35
